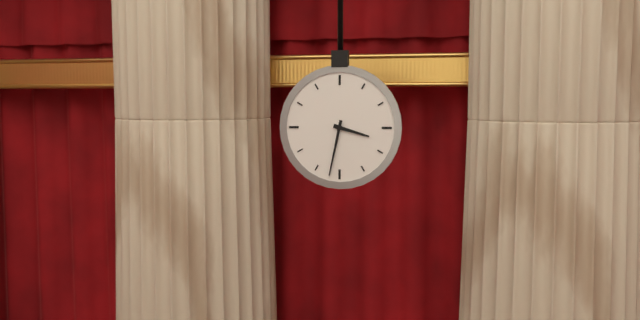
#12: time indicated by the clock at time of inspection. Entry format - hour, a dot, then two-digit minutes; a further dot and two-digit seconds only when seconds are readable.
3.32
